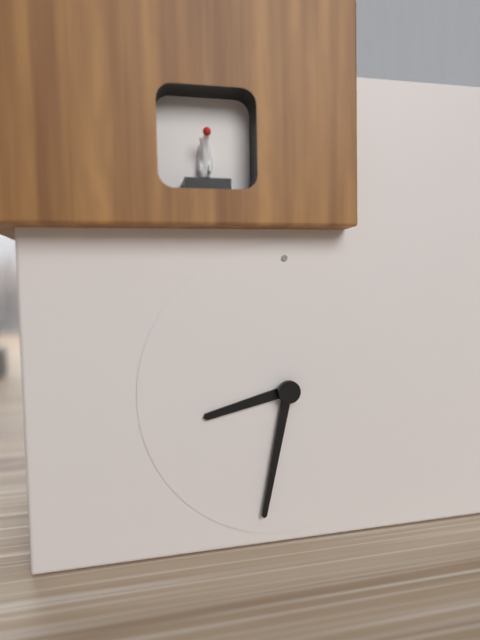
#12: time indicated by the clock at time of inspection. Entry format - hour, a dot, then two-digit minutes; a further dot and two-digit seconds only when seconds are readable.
8.32
